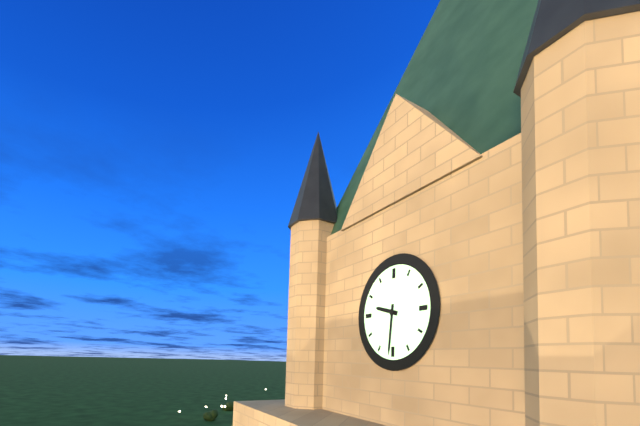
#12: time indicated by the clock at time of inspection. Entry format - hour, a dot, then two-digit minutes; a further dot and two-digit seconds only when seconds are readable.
9.31
